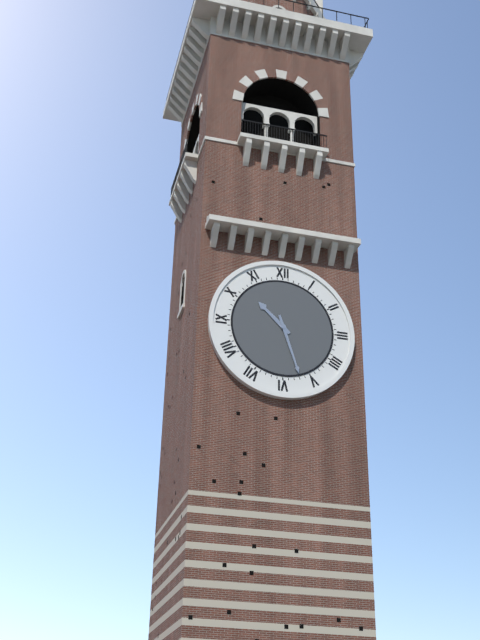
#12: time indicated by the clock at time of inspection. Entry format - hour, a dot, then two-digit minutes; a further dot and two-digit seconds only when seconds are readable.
10.27
